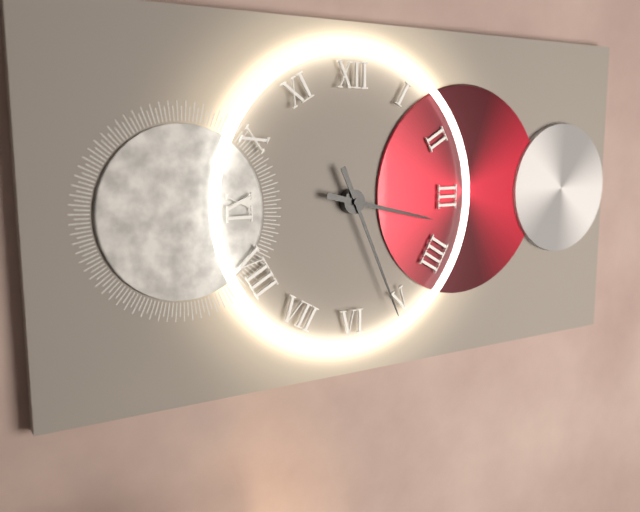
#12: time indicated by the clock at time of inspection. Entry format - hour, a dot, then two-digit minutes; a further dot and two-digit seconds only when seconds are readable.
3.26
